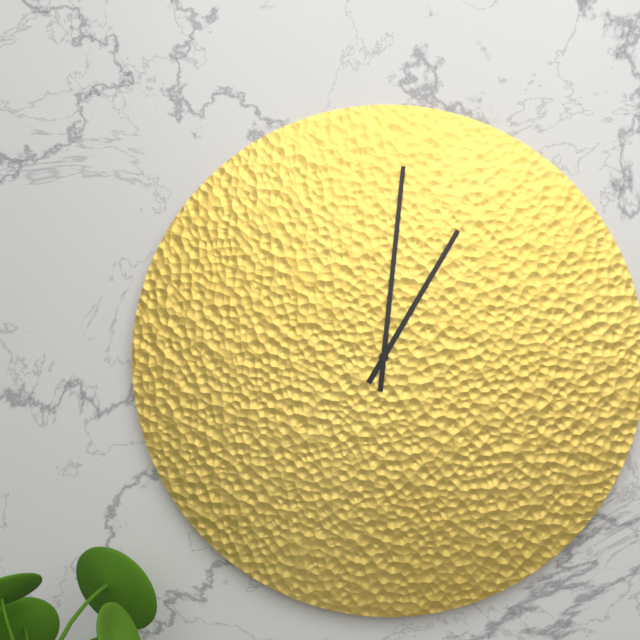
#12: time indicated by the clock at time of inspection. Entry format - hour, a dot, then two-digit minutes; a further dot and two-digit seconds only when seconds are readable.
1.01
